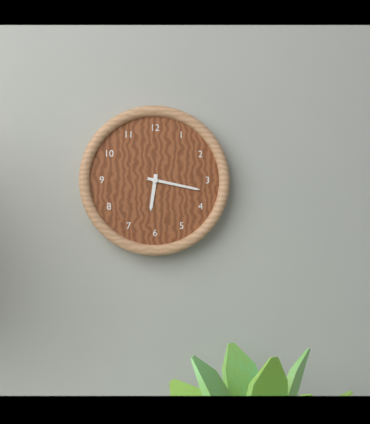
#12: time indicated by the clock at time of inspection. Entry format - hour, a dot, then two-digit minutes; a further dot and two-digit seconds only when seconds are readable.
6.17
